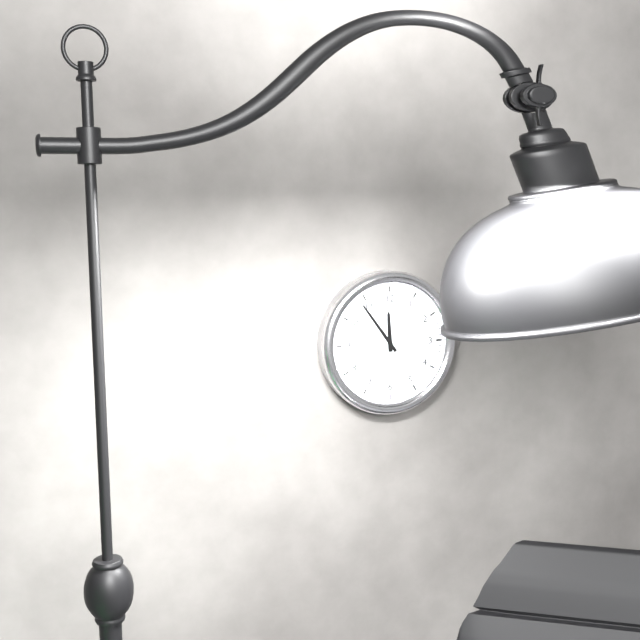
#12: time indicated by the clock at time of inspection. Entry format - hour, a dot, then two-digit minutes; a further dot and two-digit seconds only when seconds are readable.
11.54
